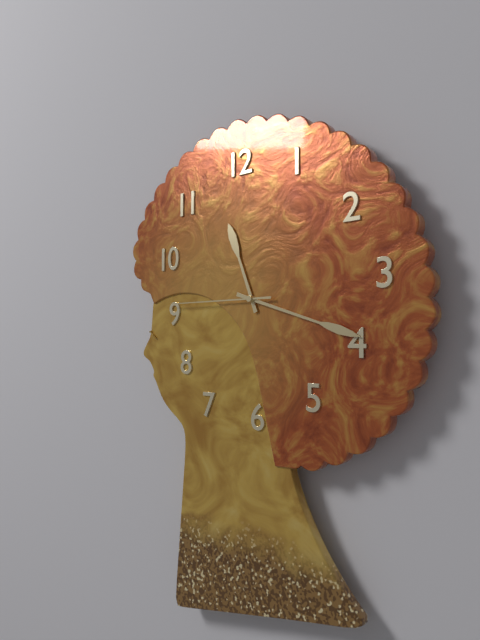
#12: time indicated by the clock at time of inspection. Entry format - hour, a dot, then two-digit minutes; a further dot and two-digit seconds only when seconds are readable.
11.18.45
